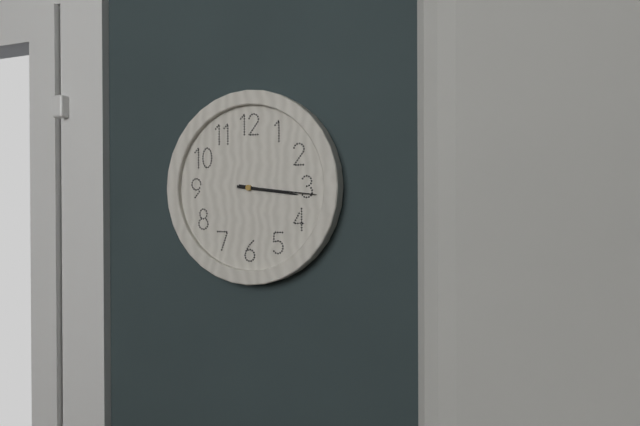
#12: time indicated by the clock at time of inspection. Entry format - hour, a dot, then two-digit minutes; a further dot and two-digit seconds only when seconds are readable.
3.16
